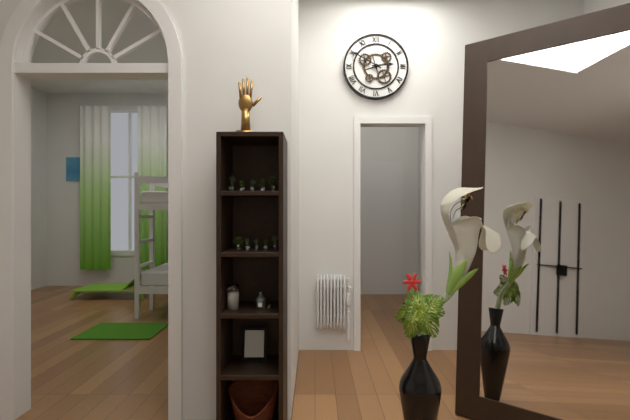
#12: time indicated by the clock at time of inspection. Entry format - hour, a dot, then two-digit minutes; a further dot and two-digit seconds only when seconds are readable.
2.50
